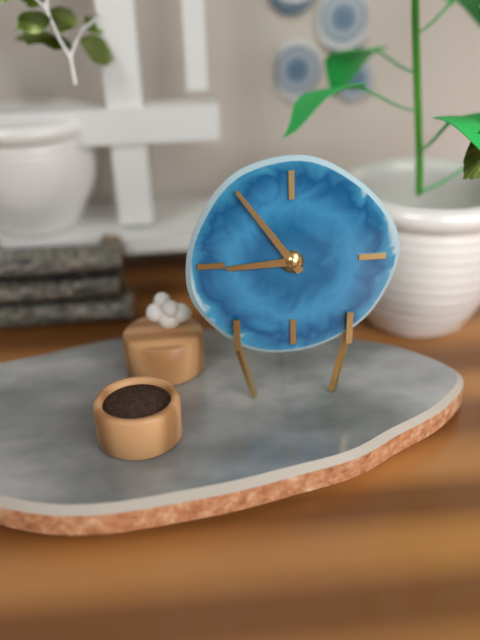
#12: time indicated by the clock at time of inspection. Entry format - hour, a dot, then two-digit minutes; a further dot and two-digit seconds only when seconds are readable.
8.54
